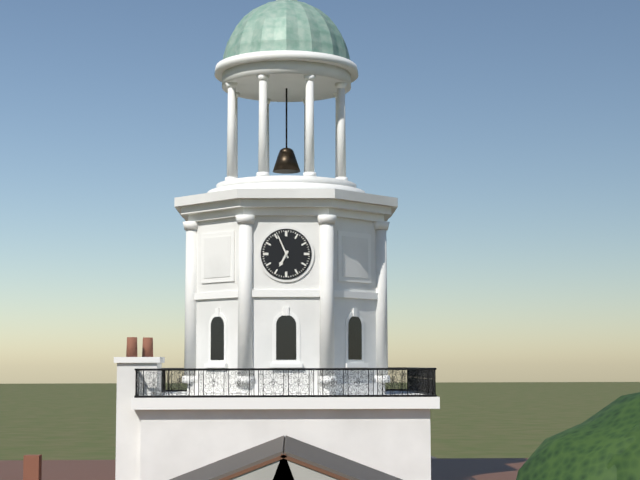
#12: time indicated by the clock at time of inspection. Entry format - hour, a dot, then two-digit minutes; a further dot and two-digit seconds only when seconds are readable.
6.56
